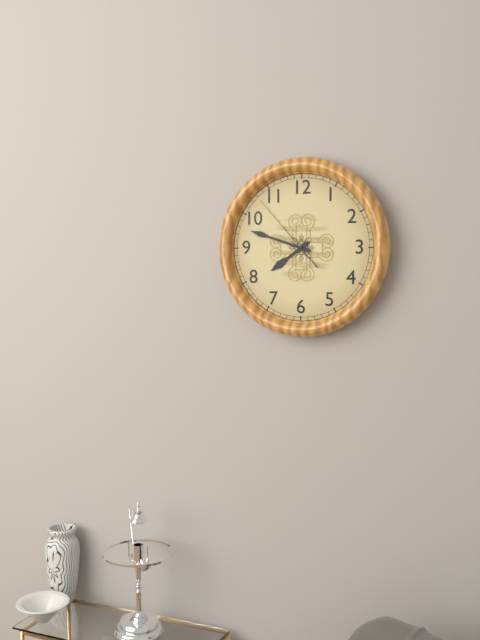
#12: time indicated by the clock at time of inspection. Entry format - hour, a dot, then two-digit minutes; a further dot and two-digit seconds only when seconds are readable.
7.48.53
